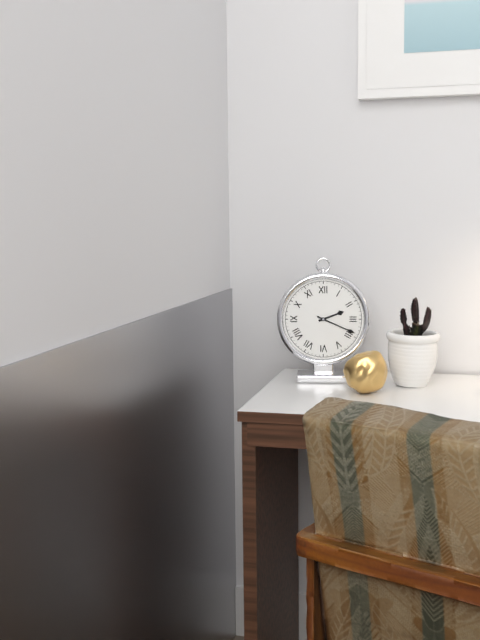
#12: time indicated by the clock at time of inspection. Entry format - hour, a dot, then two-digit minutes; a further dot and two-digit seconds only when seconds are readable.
2.19
